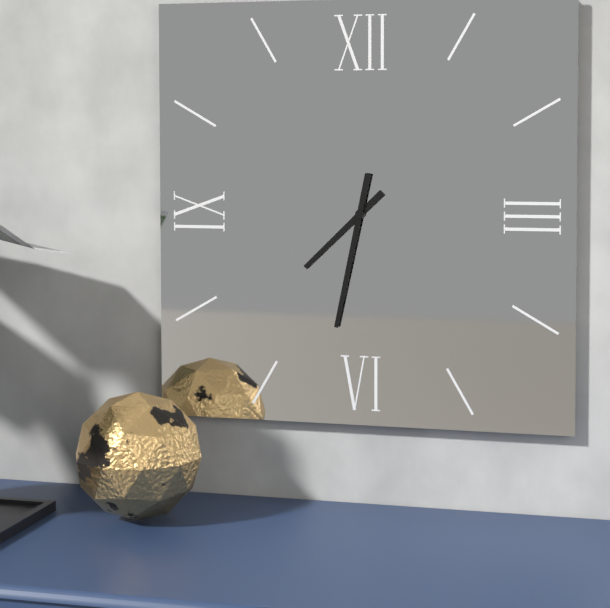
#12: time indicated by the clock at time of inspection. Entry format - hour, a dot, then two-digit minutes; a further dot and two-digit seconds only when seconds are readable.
7.32
